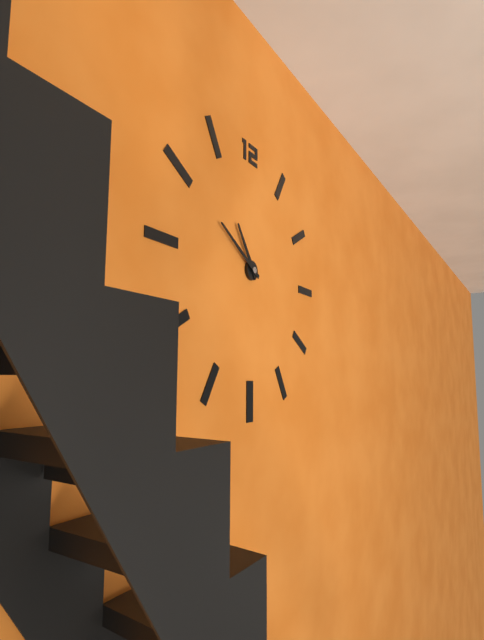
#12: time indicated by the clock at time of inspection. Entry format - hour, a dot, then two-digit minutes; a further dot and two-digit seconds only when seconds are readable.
10.50
